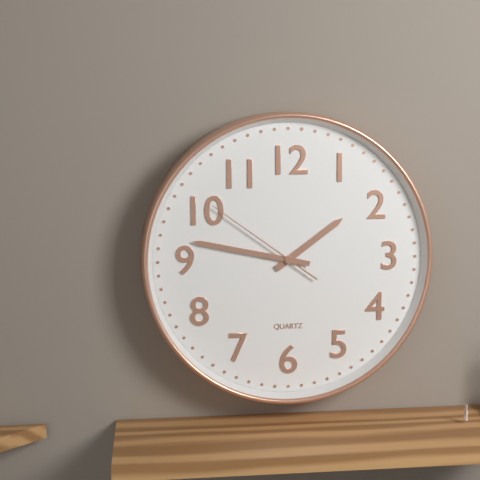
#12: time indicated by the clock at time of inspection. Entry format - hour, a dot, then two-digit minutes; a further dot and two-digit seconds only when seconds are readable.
1.47.51
